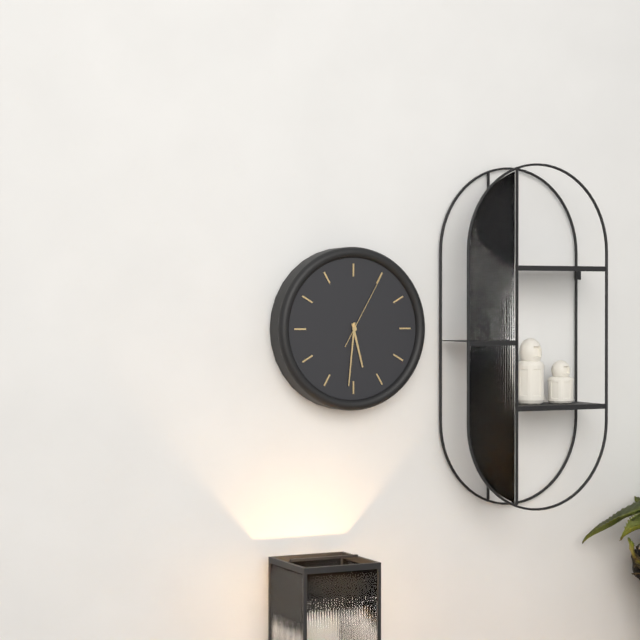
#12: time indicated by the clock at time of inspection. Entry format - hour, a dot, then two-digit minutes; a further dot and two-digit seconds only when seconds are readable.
5.31.05
